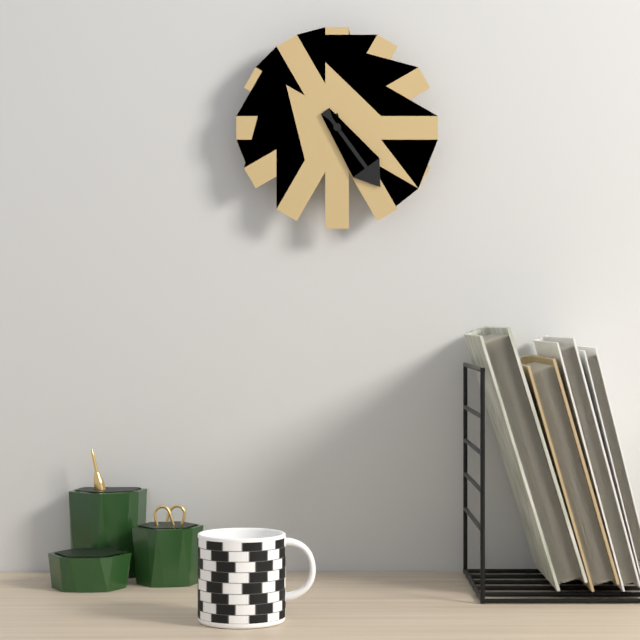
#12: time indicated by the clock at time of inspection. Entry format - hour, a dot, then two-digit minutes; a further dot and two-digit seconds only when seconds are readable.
5.24
